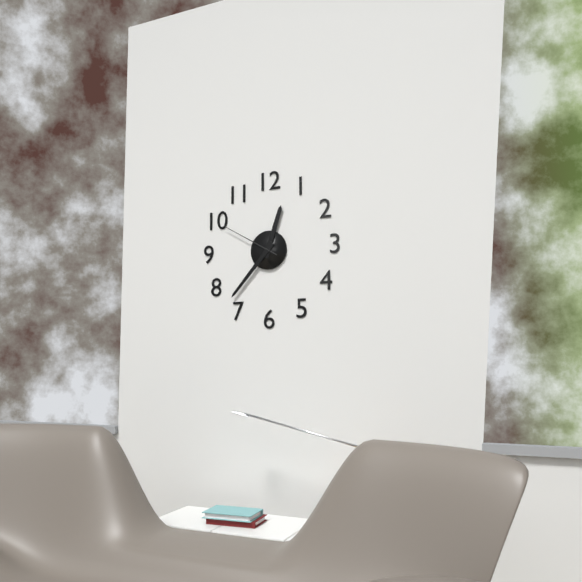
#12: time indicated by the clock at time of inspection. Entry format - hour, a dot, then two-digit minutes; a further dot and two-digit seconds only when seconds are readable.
12.37.50
